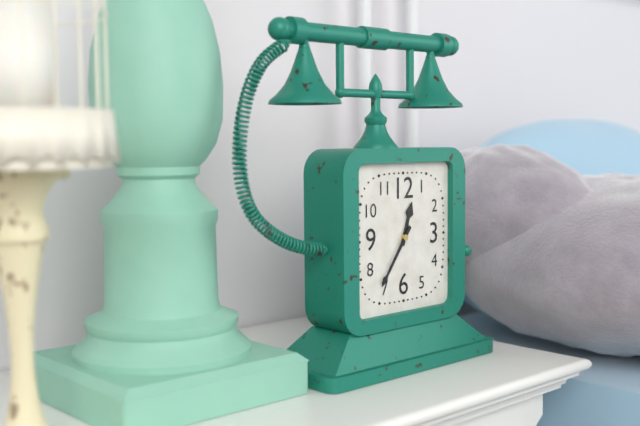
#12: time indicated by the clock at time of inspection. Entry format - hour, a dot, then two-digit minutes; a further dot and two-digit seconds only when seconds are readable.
12.36
